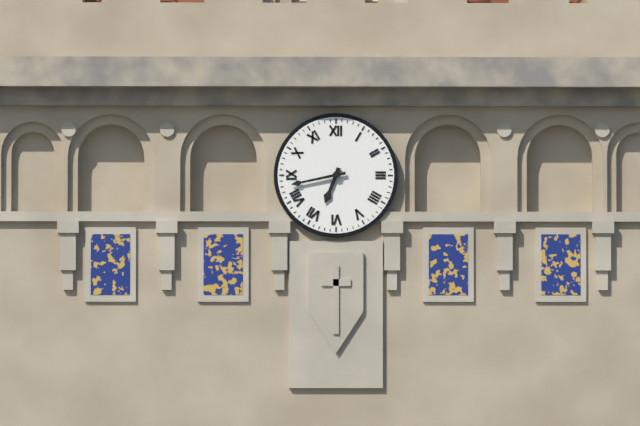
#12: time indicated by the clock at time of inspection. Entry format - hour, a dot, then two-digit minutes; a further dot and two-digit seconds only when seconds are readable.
6.43
